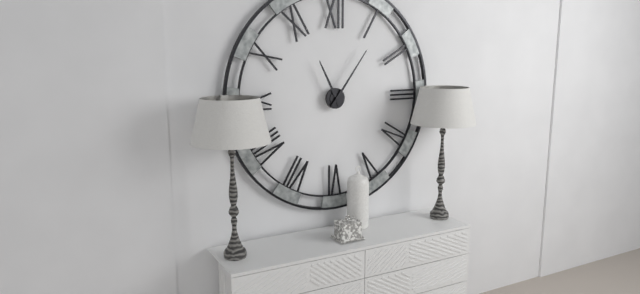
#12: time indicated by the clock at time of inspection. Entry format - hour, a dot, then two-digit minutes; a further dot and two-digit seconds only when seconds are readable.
11.06
